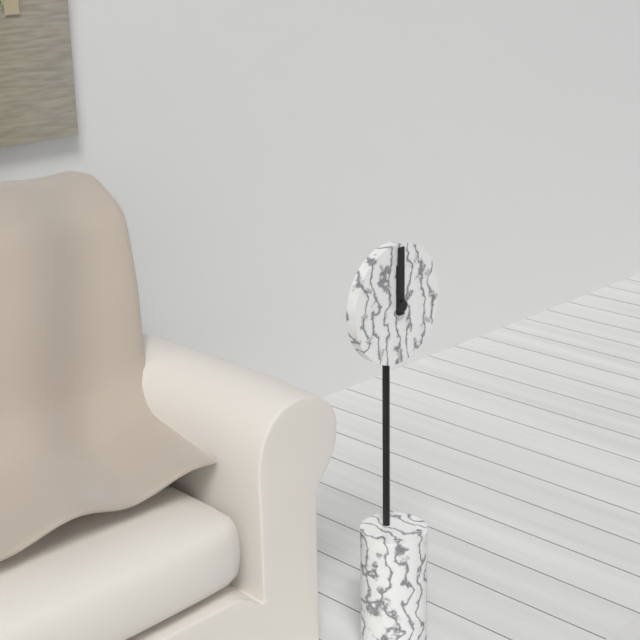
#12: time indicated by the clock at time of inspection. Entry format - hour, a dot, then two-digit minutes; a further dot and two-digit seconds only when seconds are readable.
12.00
